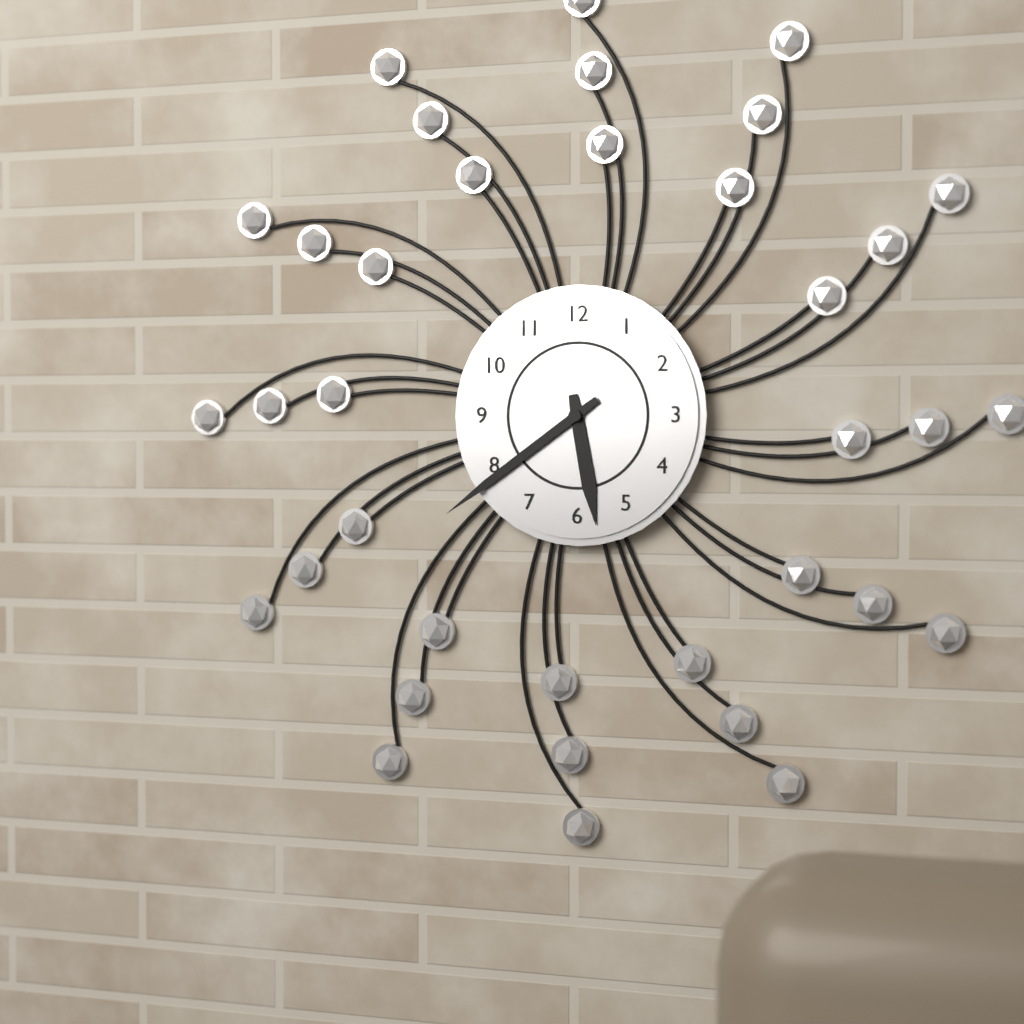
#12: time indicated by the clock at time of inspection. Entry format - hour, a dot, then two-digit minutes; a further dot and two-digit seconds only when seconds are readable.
5.39
